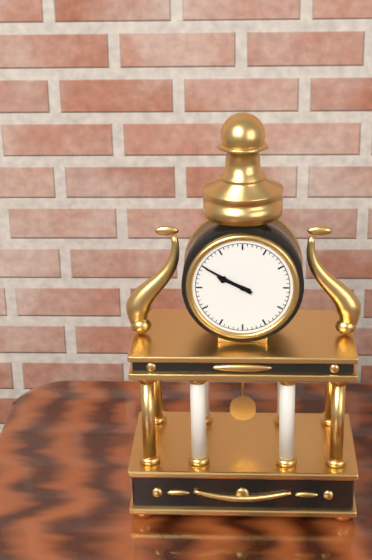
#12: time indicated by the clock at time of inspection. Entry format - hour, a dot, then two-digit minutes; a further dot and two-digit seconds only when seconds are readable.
9.50
